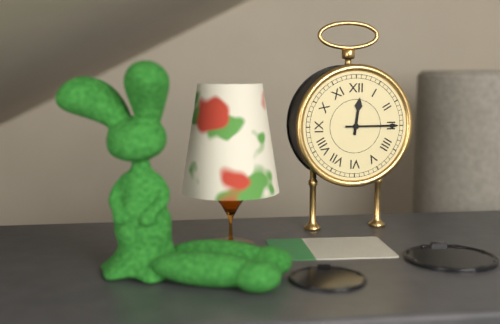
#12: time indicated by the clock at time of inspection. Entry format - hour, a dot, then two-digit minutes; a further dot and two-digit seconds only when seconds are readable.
12.15
